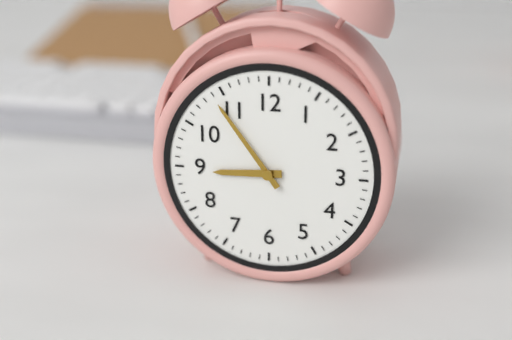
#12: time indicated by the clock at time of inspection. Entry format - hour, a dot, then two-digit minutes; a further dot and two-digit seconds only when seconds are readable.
8.54
